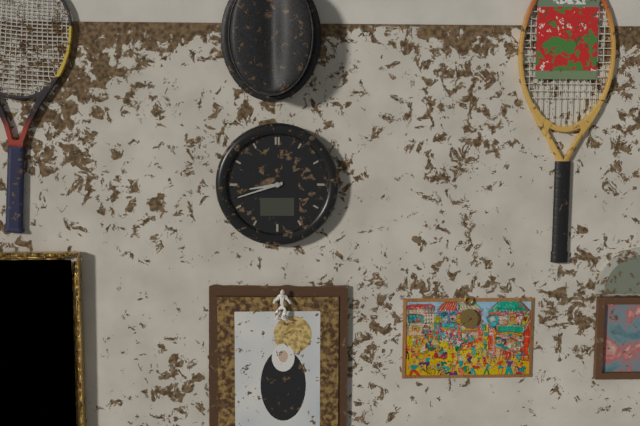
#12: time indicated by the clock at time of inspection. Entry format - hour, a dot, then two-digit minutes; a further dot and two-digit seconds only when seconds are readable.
8.42
